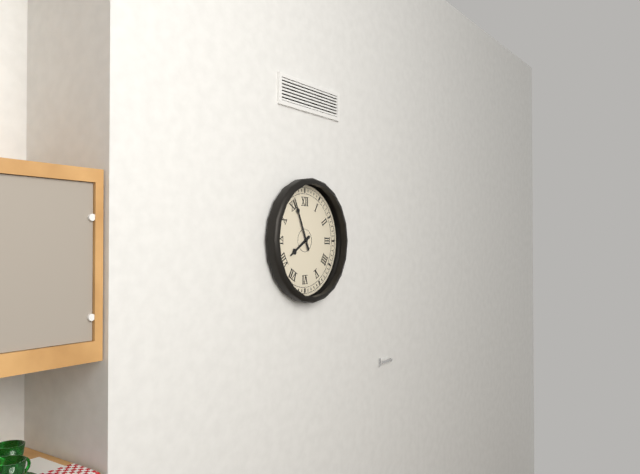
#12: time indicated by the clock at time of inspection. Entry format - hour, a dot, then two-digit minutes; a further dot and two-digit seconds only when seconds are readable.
7.56
